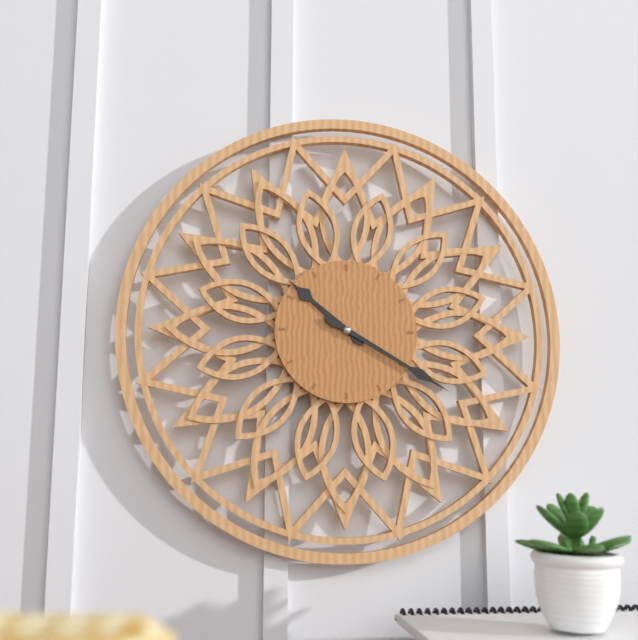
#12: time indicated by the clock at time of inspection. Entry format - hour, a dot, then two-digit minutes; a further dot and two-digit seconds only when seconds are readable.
10.20
